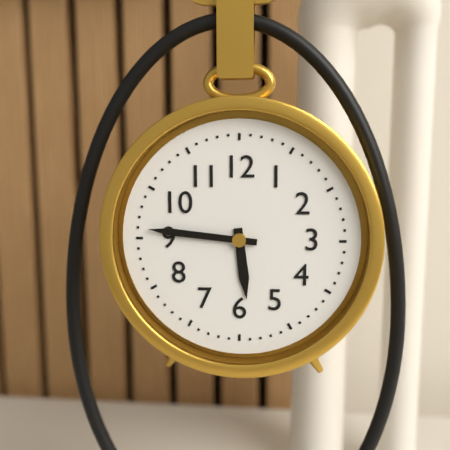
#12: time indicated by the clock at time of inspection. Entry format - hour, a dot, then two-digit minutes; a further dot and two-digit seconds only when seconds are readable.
5.46
